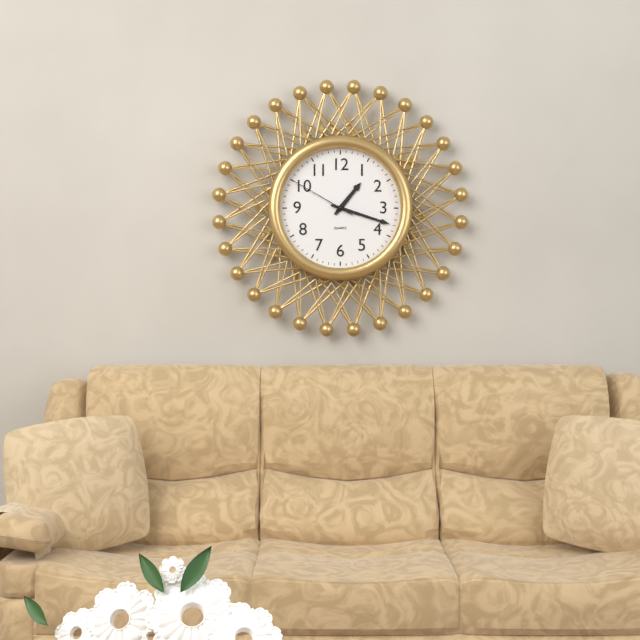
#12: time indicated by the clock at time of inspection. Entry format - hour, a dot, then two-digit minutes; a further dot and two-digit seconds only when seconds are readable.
1.18.50
